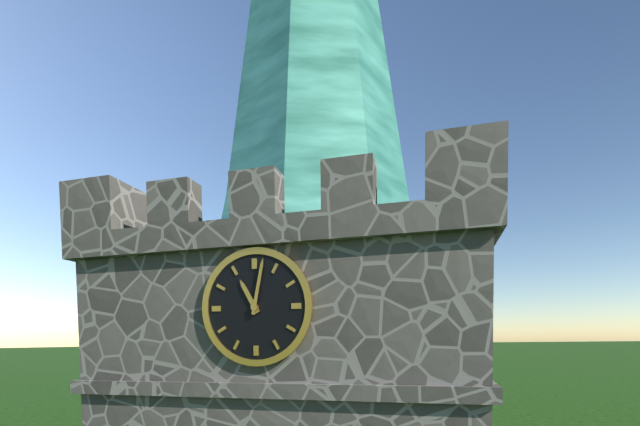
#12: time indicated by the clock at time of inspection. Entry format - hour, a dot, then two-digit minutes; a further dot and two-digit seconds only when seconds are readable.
11.02
